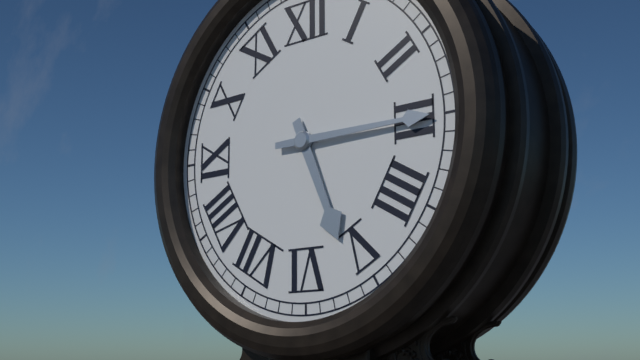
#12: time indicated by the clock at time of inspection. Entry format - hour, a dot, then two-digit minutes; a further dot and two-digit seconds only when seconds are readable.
5.15
